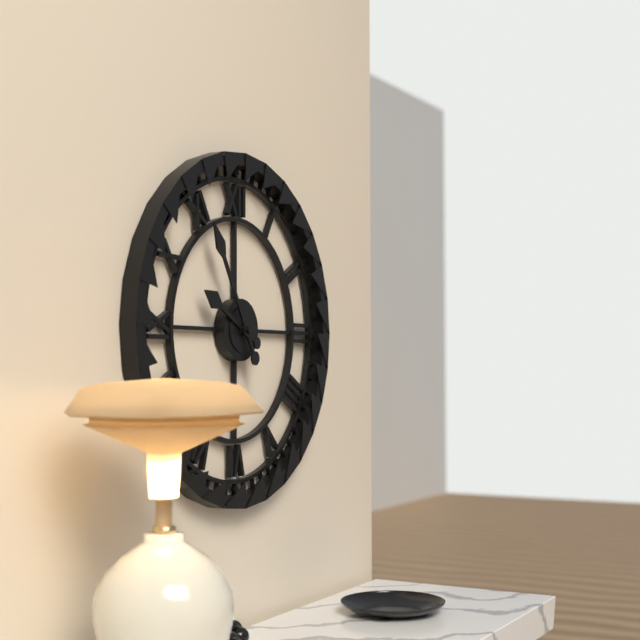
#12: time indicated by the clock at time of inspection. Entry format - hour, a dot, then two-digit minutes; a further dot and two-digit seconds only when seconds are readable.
9.55
